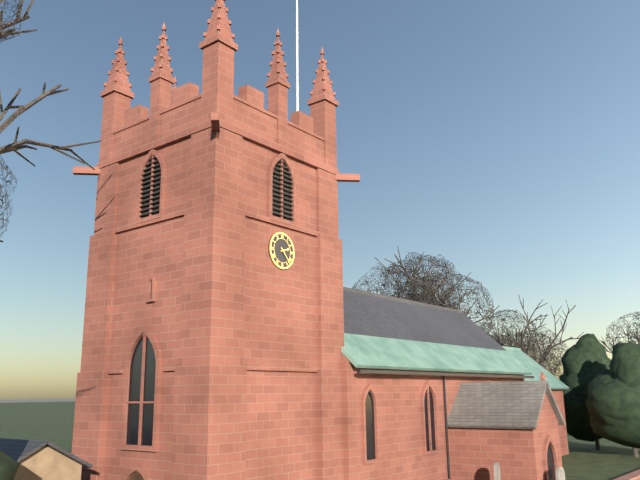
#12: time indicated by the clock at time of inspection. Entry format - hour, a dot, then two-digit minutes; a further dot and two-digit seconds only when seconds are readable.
2.23
